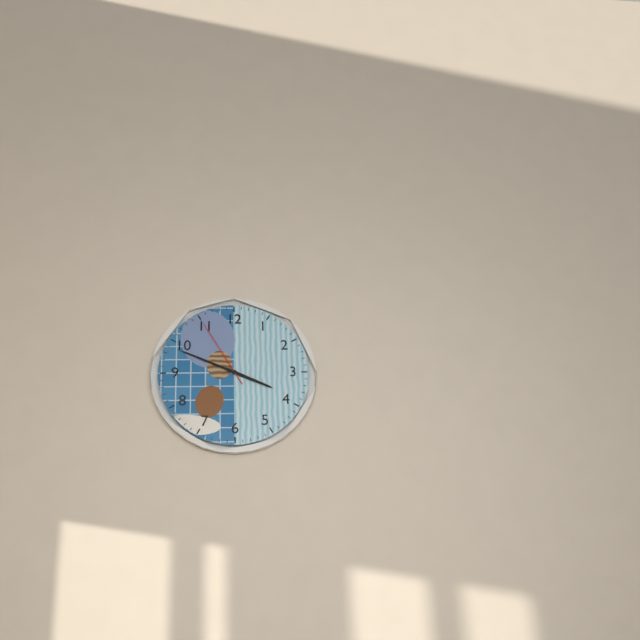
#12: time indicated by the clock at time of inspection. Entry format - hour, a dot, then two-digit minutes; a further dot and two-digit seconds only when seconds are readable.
3.49.55
